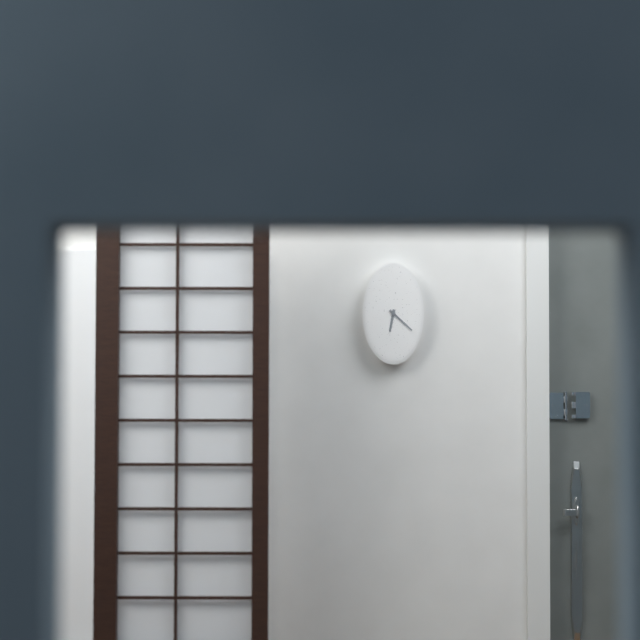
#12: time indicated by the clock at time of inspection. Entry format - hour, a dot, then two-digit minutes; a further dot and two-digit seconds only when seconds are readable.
6.22
